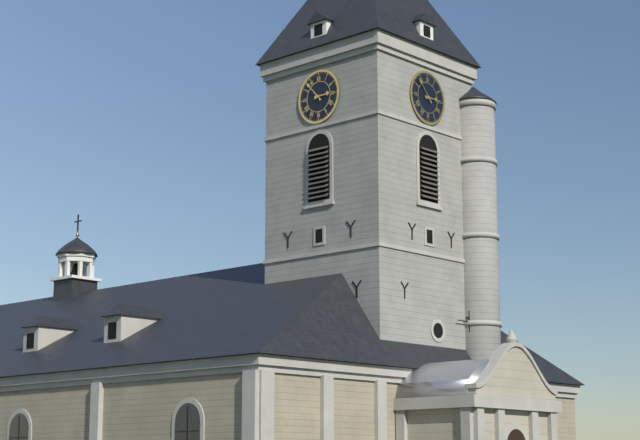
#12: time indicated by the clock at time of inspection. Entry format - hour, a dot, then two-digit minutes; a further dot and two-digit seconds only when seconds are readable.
2.53
